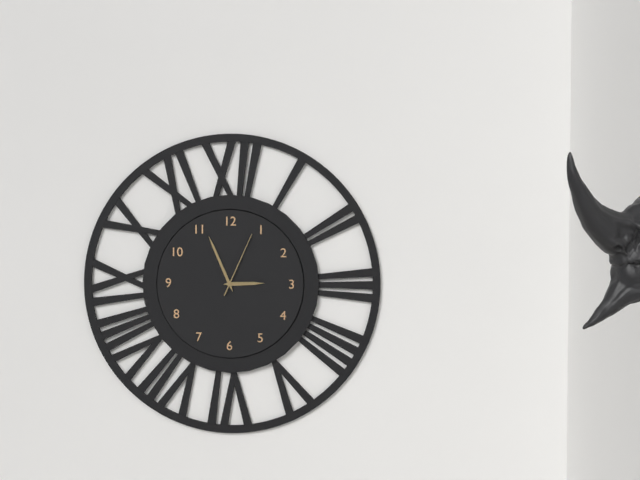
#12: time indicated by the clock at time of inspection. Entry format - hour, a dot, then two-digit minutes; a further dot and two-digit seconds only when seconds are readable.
2.56.04
